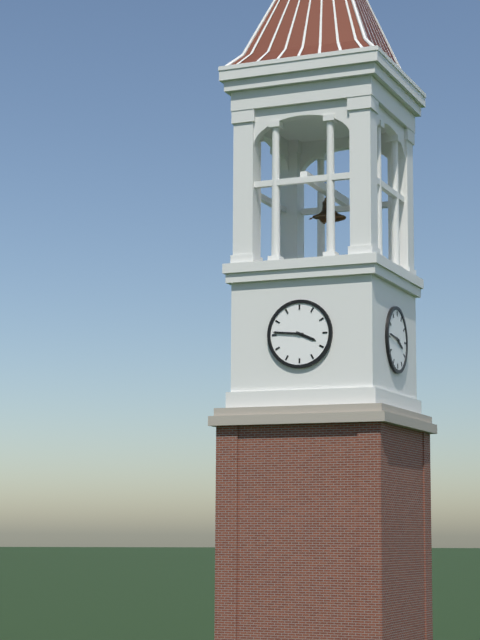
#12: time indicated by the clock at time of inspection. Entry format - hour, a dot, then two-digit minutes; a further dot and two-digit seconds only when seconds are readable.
3.46
